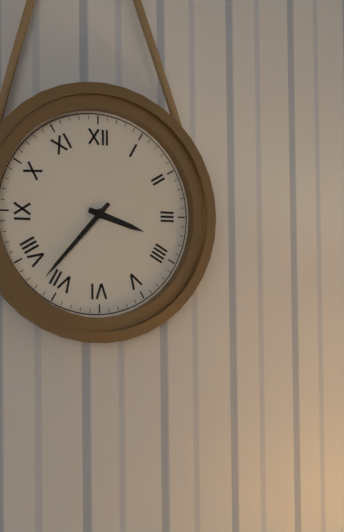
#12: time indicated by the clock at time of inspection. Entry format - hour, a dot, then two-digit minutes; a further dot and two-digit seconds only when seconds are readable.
3.37
